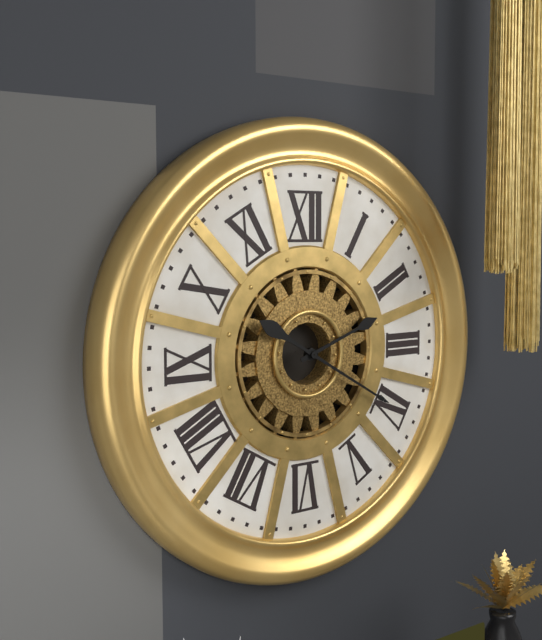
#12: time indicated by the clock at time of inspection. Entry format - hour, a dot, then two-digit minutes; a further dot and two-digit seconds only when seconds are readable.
2.20
